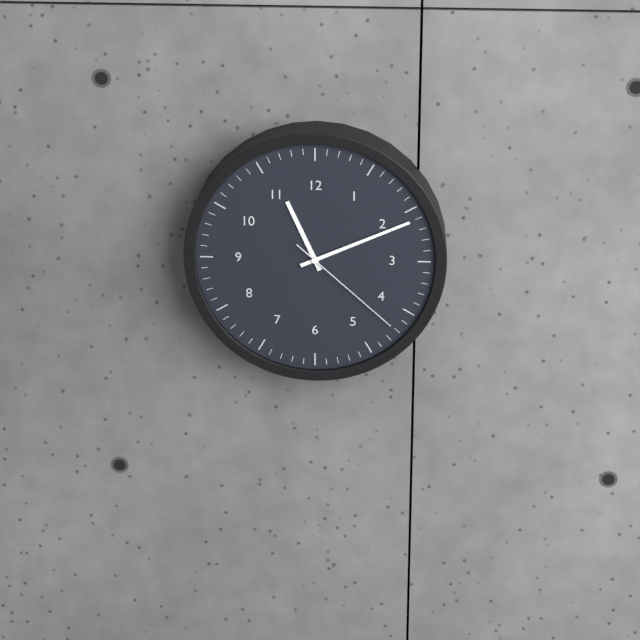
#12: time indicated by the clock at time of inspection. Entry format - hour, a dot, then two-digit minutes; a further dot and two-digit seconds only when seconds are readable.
11.11.22
